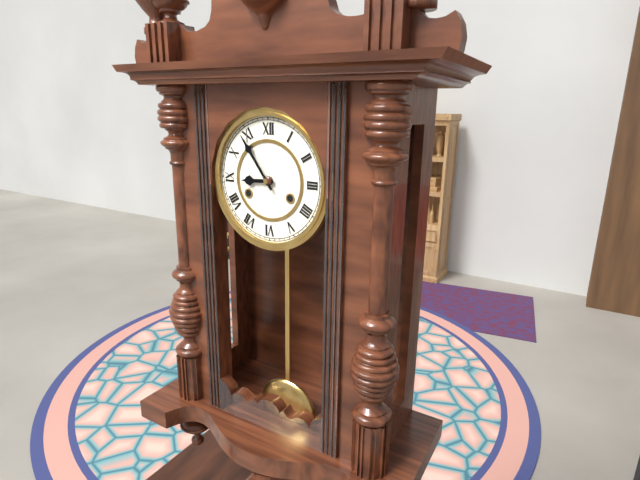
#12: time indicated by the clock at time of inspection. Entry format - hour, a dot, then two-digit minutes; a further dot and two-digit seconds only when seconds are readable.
8.54
